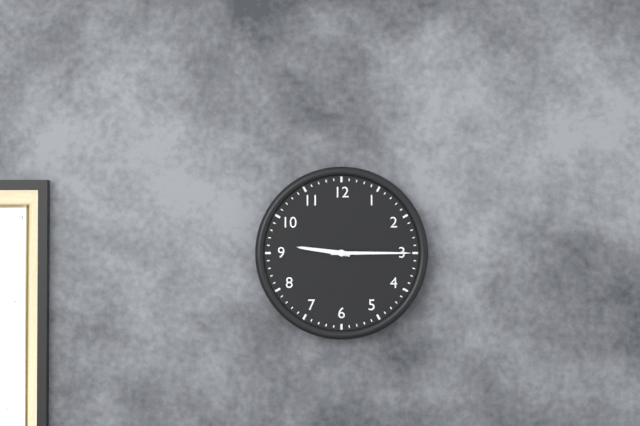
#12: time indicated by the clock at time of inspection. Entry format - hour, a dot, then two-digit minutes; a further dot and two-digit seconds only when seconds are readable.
9.15
